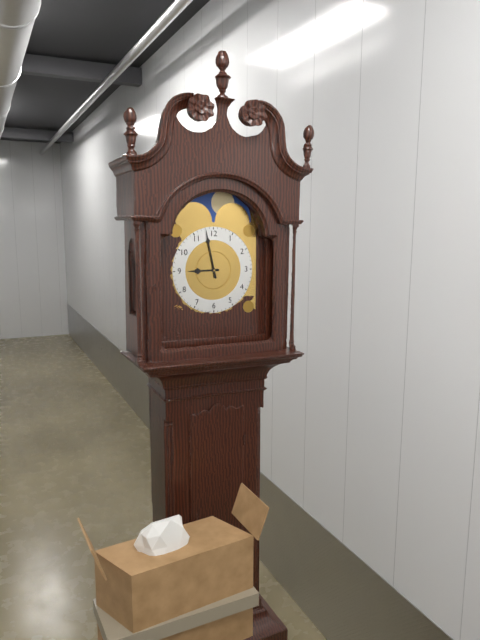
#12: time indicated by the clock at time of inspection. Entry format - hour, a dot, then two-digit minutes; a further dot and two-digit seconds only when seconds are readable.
8.58
